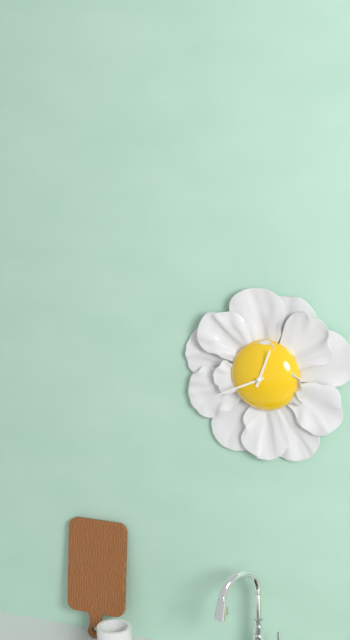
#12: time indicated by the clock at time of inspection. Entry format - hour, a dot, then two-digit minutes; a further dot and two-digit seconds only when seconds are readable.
12.41
